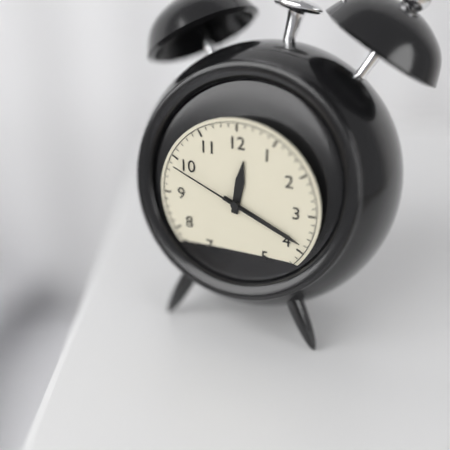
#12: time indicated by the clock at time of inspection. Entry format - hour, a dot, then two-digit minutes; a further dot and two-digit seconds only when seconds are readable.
12.19.49
